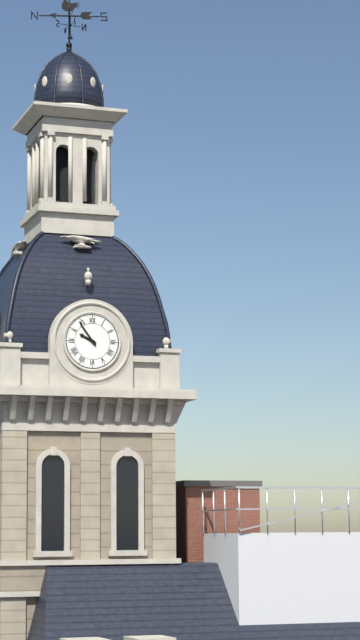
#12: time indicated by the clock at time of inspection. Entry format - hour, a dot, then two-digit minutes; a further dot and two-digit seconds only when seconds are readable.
9.54
